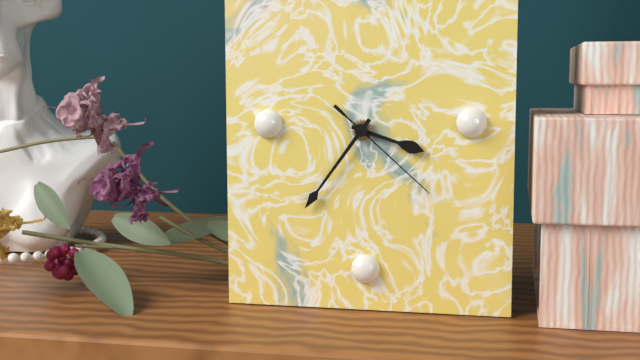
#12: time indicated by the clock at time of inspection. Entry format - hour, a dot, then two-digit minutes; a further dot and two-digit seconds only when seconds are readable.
3.36.22
